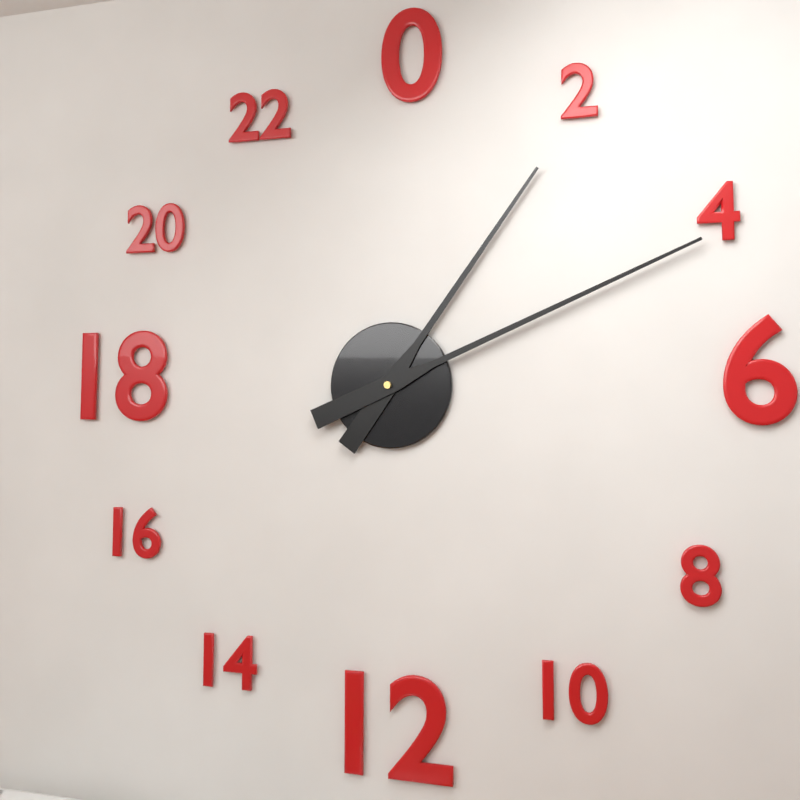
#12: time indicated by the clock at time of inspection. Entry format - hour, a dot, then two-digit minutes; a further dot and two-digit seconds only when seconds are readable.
1.11
